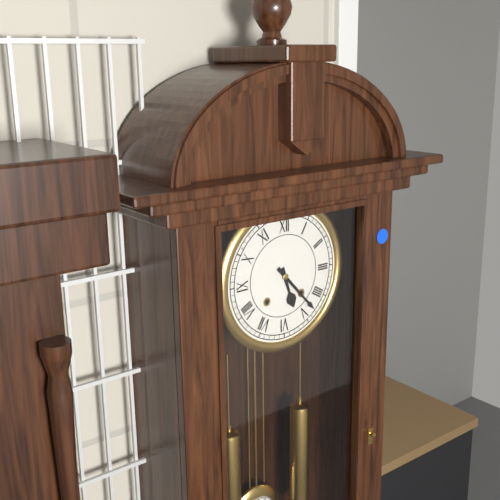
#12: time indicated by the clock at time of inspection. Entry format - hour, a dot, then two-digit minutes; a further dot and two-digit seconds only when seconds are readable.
5.23
